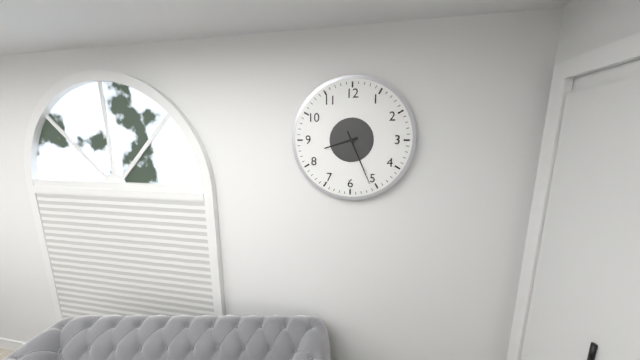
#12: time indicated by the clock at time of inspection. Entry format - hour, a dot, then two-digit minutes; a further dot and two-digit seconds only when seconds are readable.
8.26
